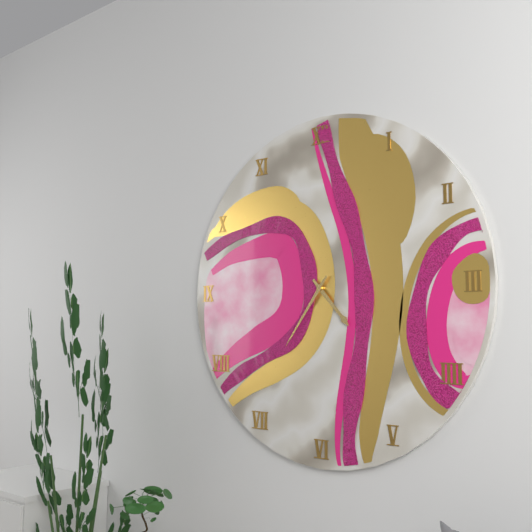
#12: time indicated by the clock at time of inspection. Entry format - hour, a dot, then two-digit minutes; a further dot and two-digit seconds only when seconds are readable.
4.36
